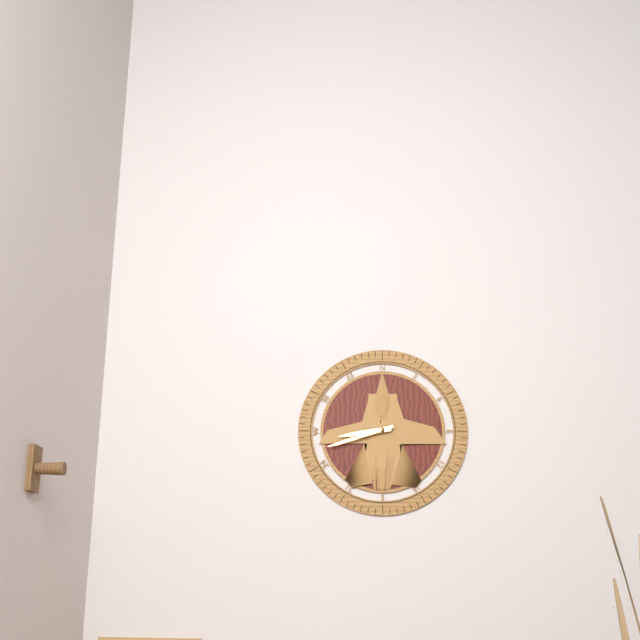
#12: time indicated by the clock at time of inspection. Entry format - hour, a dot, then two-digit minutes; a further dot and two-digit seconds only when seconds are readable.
8.42
